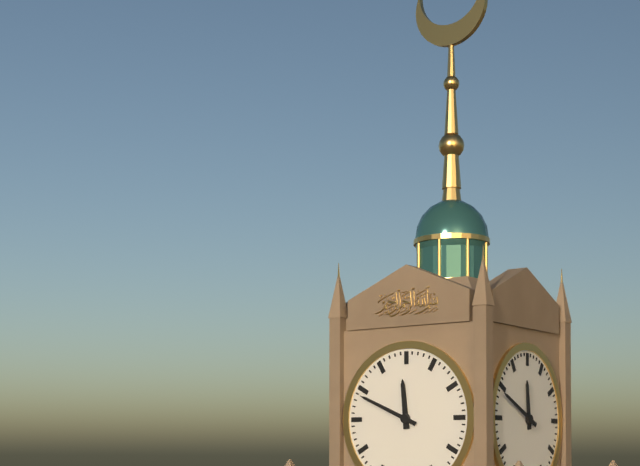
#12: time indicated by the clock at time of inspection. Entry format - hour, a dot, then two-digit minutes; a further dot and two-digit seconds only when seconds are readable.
11.49
